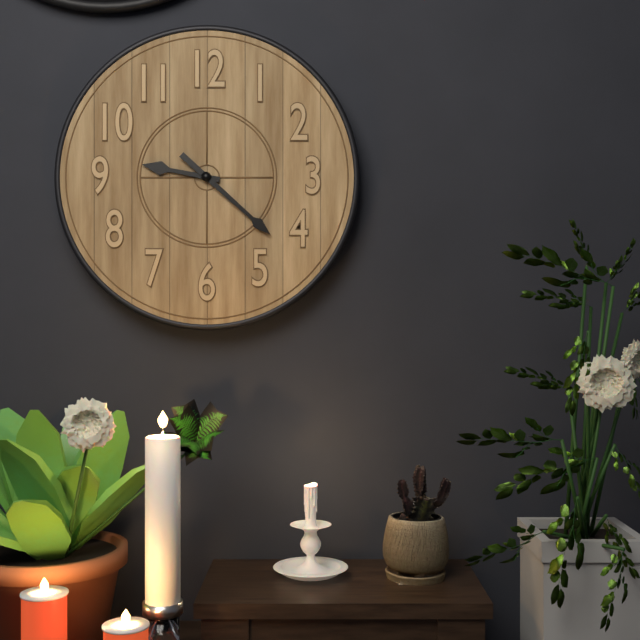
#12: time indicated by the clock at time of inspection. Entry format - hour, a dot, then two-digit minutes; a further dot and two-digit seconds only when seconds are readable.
9.22
